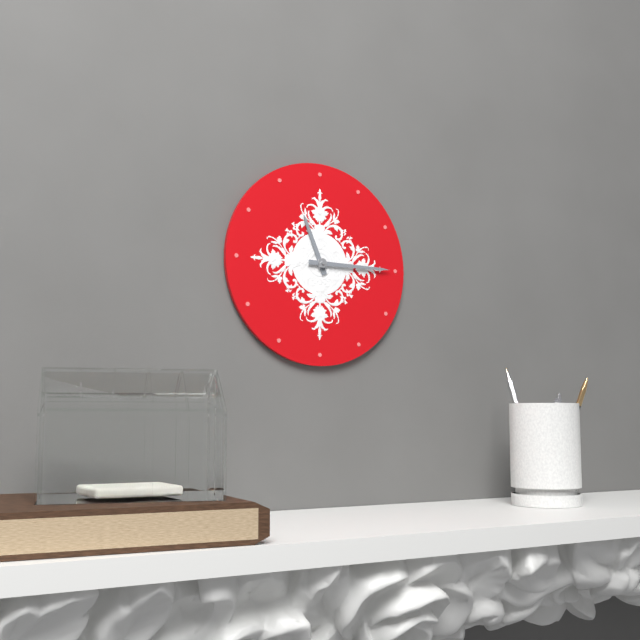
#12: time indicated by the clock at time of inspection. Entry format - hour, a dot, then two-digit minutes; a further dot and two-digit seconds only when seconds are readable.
11.15
